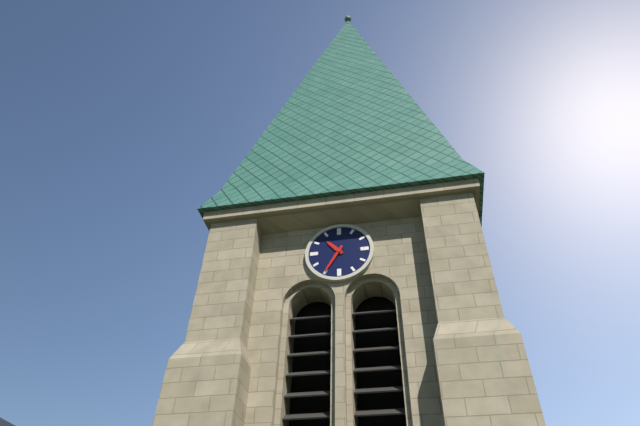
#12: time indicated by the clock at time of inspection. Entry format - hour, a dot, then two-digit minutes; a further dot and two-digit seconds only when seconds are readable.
10.35
